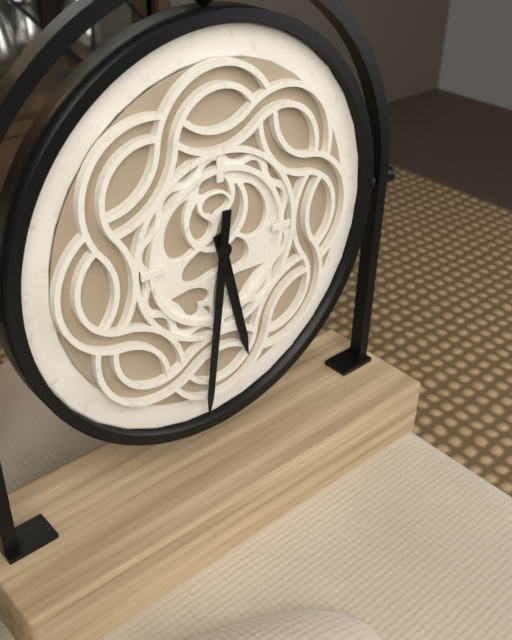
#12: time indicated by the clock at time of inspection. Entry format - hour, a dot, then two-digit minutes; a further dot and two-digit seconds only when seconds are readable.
5.31
